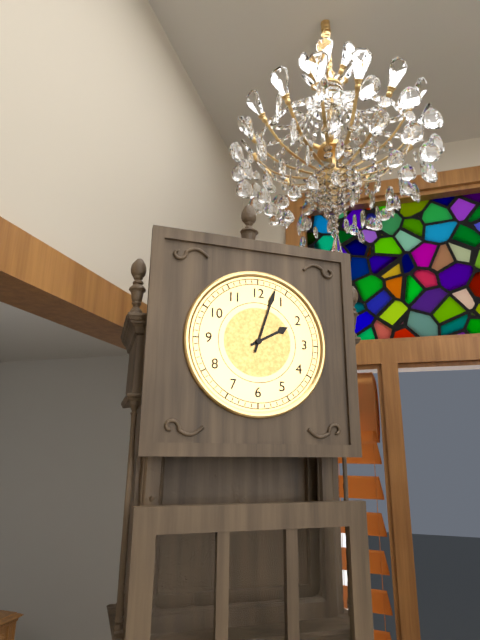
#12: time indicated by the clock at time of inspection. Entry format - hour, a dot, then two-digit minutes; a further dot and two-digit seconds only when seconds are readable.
2.03
